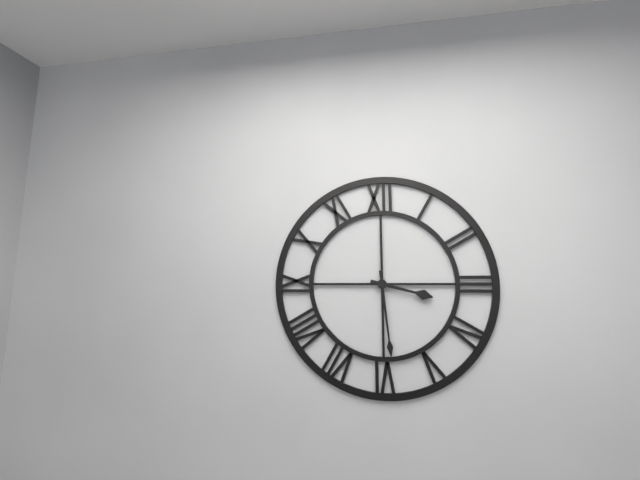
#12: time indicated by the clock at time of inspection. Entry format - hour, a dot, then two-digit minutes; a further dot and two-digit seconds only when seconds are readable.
3.29
